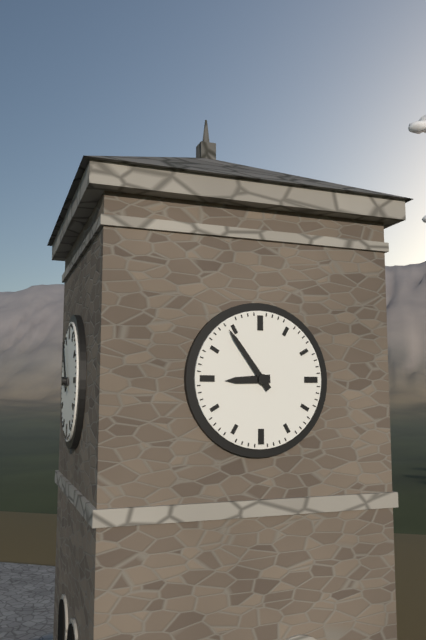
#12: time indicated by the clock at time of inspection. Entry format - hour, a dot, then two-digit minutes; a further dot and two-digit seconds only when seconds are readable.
8.54
